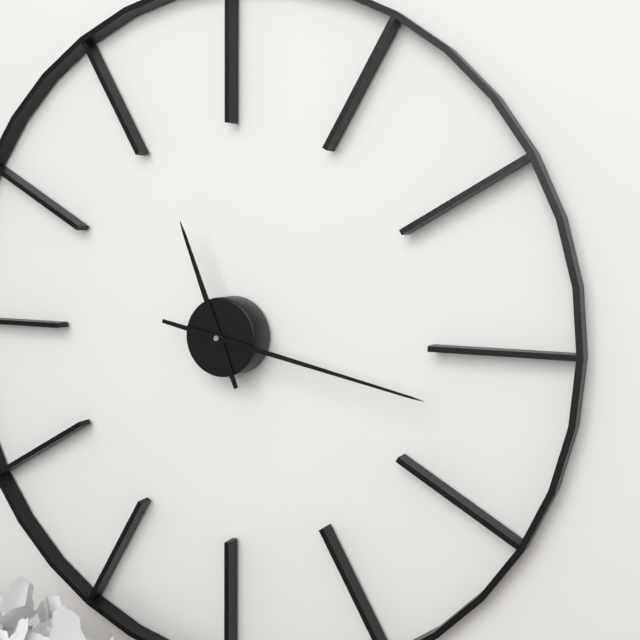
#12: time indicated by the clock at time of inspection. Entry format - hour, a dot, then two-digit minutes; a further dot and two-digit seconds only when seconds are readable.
11.17
